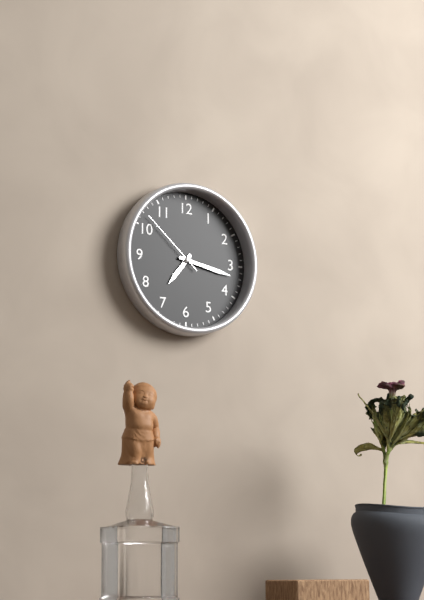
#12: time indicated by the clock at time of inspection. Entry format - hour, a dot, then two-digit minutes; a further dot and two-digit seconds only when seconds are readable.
7.17.52
